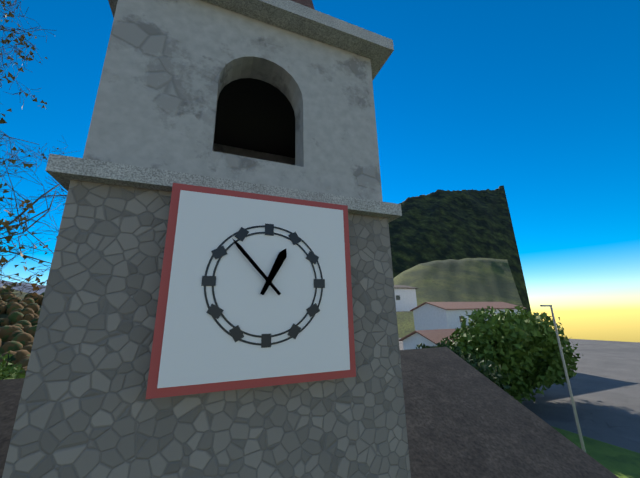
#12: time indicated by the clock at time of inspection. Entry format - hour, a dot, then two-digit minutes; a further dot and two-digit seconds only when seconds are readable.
12.53
